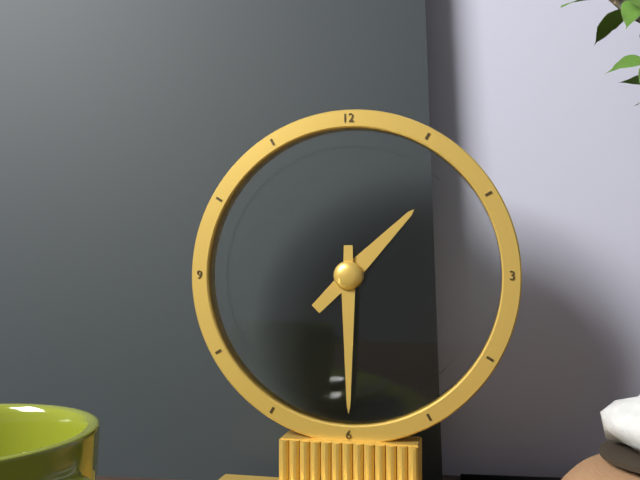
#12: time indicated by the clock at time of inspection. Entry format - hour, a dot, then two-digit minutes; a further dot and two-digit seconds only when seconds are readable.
1.30
